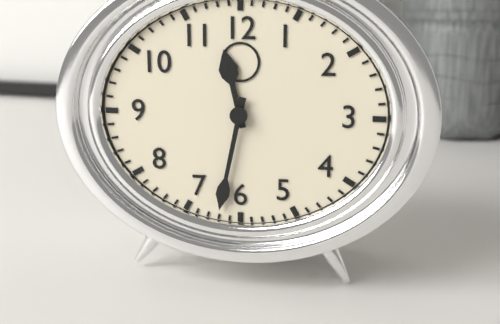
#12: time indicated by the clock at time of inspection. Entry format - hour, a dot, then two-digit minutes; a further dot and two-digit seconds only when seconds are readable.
11.32
